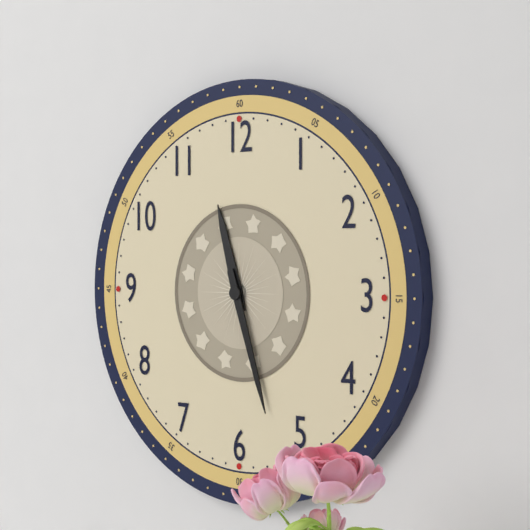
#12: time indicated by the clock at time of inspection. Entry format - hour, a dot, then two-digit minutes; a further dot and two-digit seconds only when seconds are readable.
11.27
